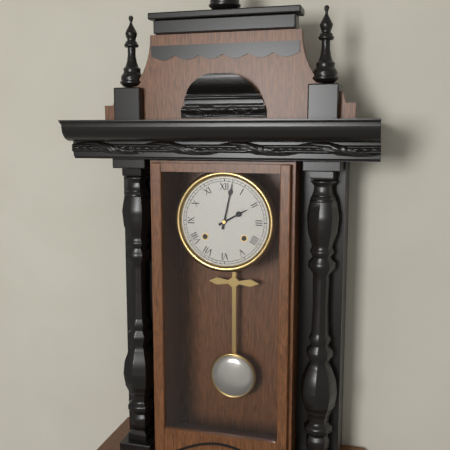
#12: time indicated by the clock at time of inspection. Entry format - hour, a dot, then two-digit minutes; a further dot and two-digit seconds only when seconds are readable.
2.02
